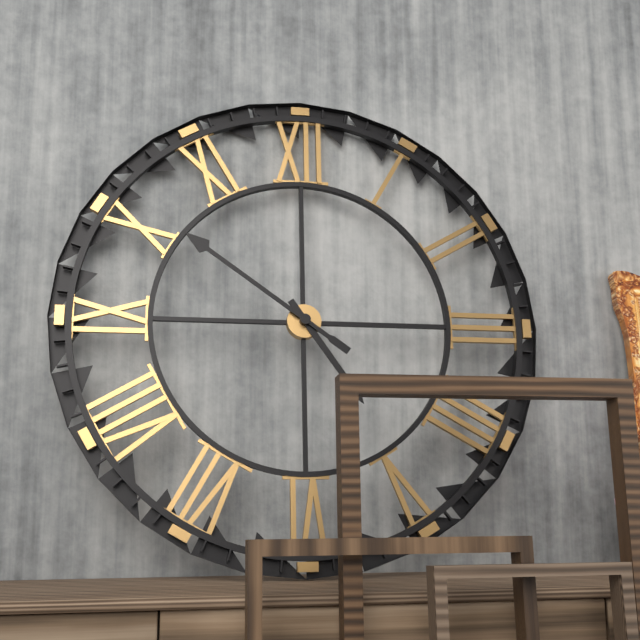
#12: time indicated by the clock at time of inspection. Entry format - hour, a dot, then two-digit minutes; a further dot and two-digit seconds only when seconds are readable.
4.51
